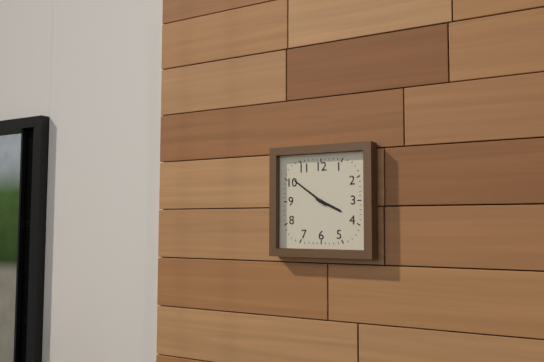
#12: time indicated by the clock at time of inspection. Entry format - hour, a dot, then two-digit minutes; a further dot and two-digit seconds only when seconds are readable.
3.51
